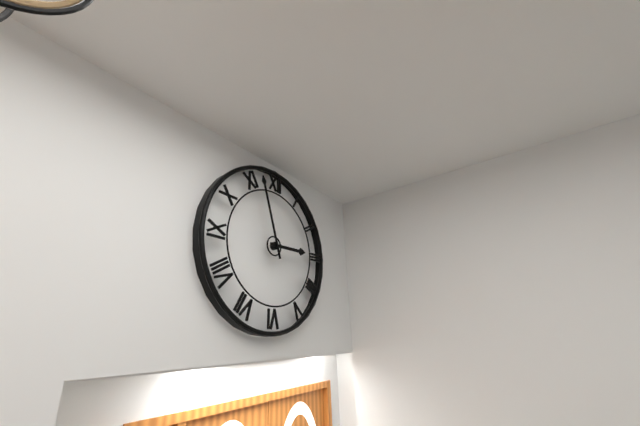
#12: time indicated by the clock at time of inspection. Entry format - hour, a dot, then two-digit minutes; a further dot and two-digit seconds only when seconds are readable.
2.57
